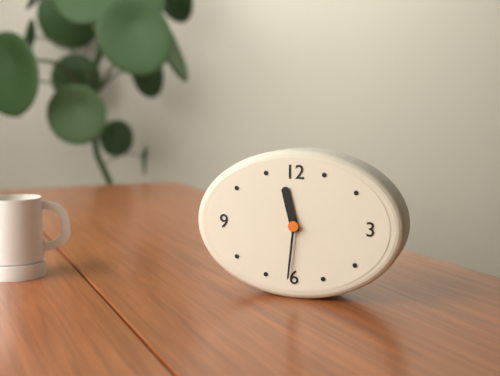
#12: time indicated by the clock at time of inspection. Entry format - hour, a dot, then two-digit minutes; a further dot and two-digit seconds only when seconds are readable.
11.31
